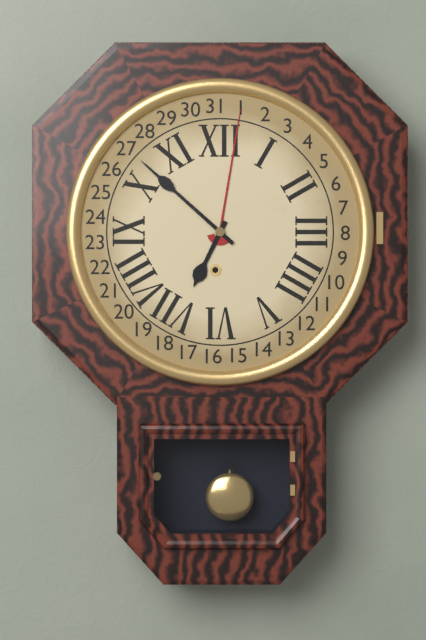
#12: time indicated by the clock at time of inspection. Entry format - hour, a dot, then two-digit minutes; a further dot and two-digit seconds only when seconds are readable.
6.52
